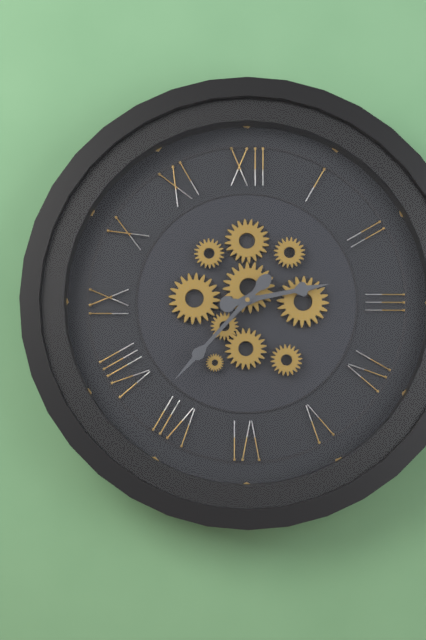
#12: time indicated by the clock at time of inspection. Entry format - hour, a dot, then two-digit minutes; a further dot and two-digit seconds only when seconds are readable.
2.37
